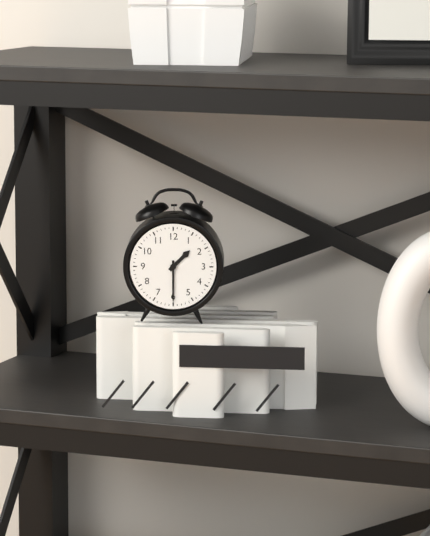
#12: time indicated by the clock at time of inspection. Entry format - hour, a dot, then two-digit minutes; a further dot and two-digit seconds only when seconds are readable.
1.30
